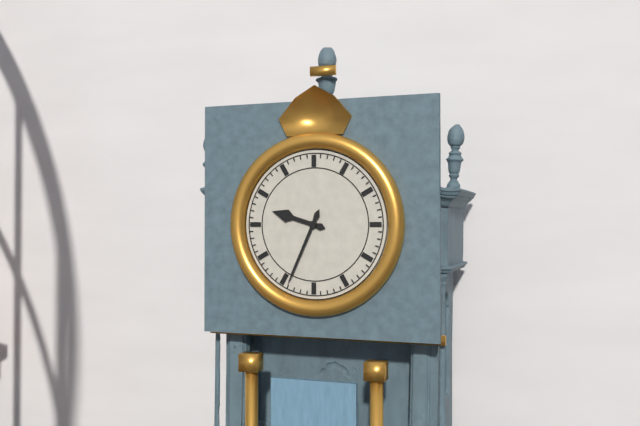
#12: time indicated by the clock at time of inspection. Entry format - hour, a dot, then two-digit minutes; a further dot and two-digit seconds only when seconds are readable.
9.34
